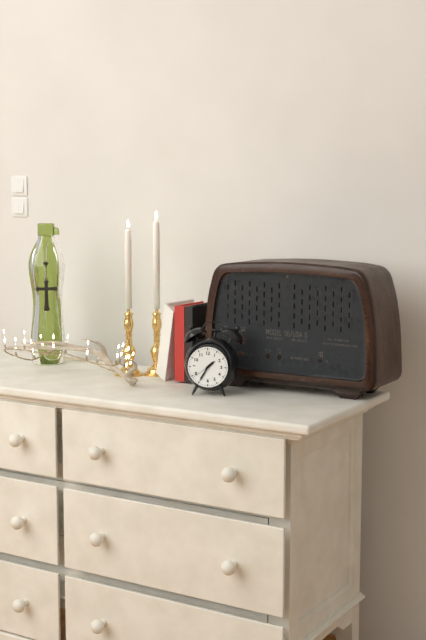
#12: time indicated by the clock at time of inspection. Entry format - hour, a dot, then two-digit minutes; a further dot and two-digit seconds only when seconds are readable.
1.35
